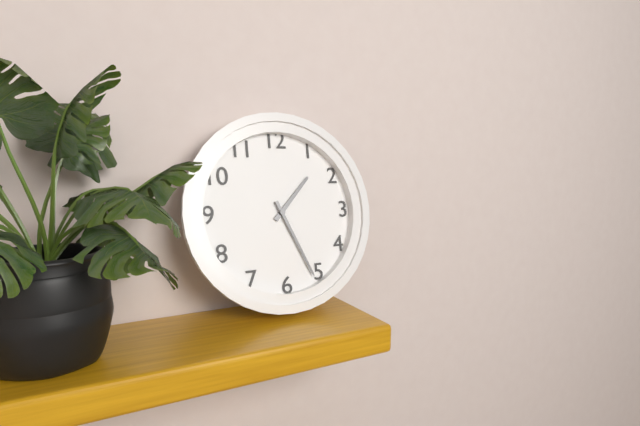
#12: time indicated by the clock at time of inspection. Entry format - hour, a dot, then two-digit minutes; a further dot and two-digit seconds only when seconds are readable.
1.26
